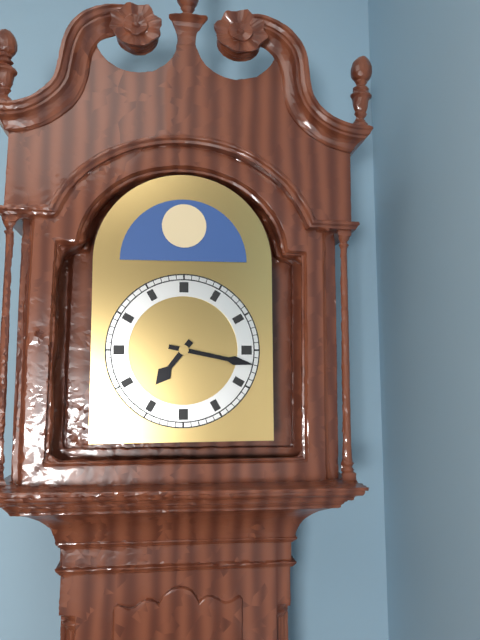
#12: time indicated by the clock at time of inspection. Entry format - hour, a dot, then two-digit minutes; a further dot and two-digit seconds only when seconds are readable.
7.17
